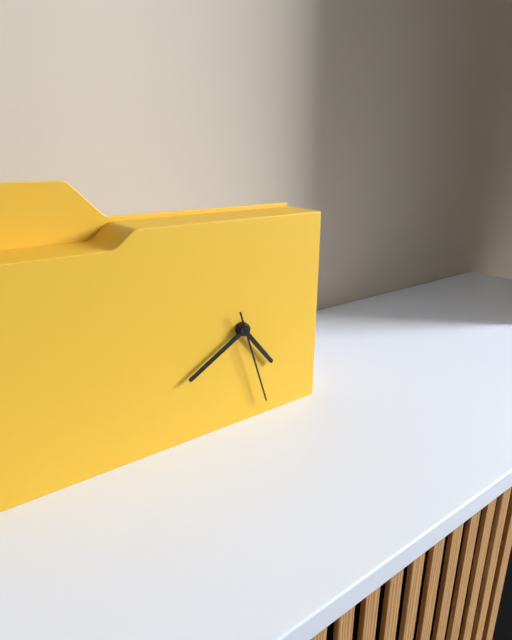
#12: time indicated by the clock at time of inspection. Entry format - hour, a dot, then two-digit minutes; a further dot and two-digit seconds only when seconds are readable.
4.40.27
